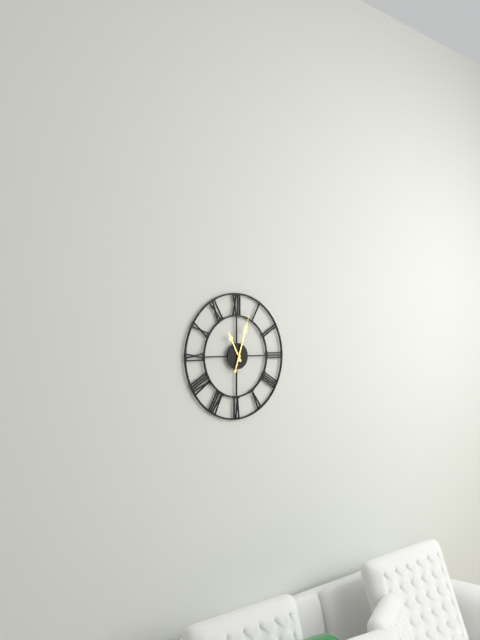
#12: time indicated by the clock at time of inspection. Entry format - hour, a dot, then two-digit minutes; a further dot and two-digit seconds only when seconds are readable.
11.03
